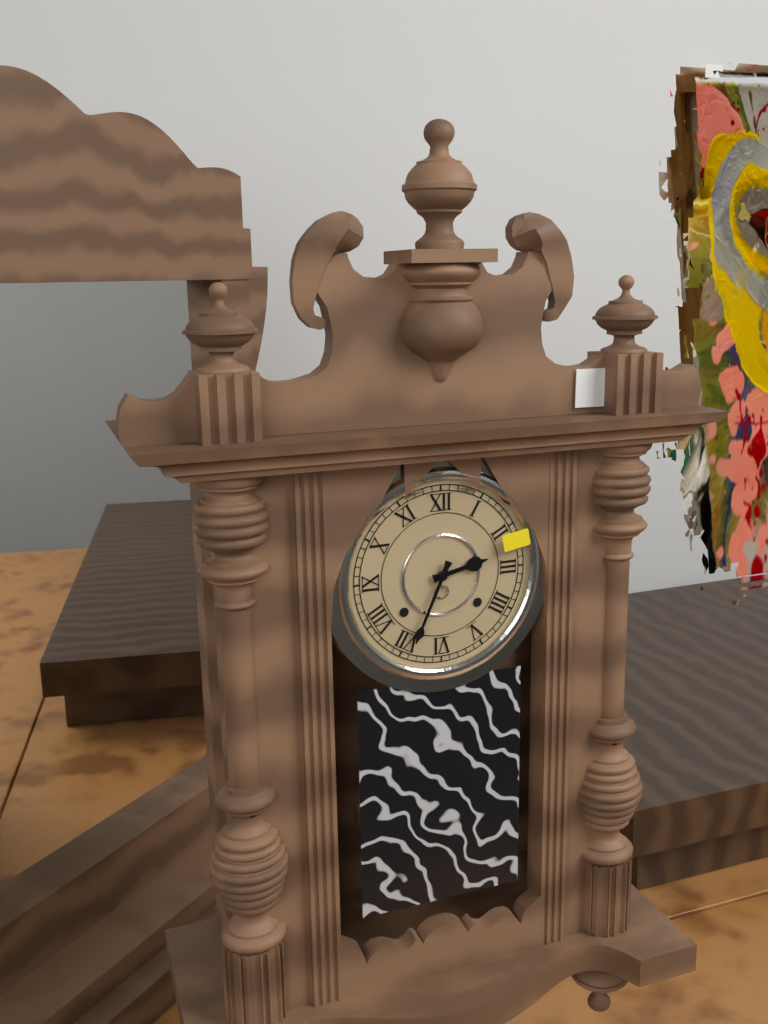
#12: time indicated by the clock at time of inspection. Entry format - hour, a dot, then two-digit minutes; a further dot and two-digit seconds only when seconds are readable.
2.34
